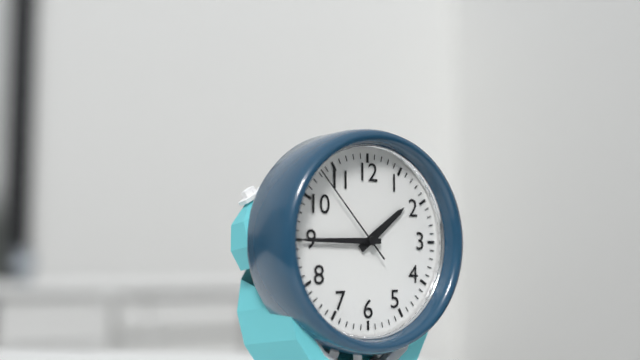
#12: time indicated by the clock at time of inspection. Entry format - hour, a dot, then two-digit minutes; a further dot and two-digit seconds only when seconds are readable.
1.45.53
